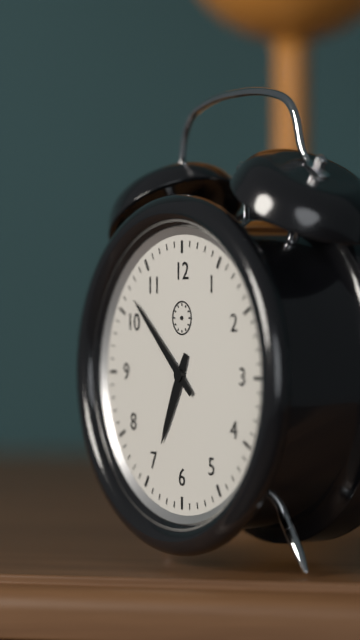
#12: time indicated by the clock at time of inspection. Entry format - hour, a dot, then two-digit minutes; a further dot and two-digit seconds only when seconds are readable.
6.52
